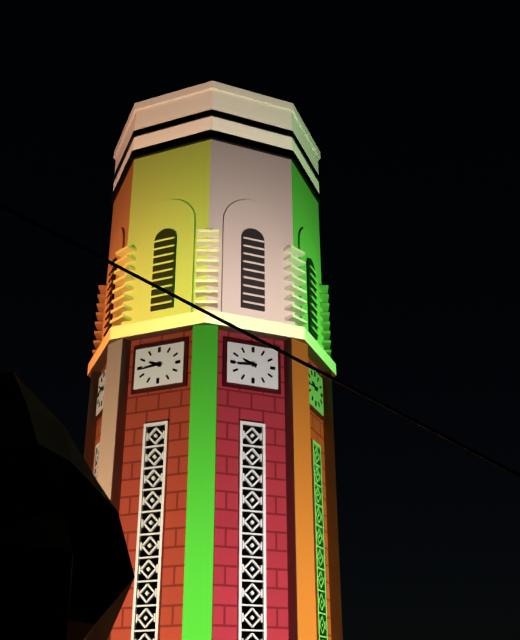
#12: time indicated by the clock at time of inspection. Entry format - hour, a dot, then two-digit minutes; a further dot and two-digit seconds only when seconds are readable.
9.44
